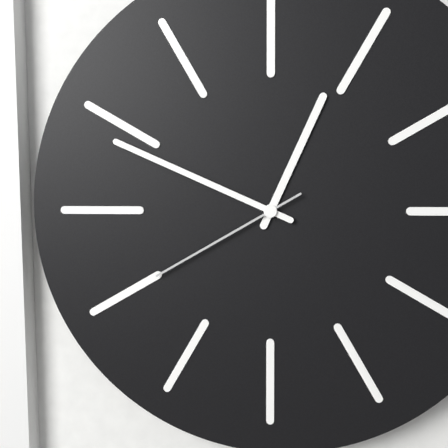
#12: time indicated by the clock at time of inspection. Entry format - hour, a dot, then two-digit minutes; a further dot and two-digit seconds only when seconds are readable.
12.49.40
